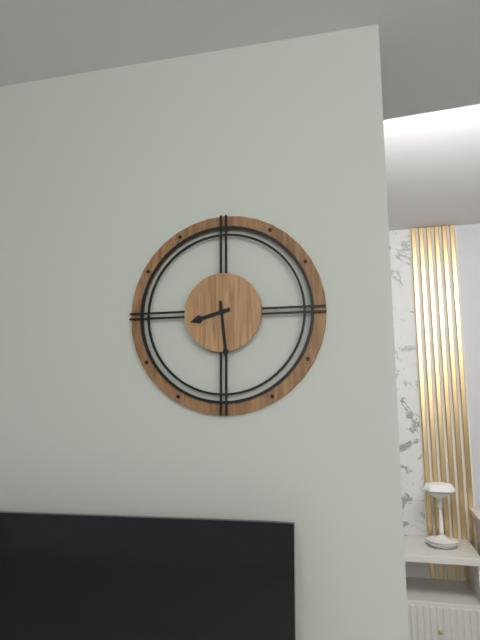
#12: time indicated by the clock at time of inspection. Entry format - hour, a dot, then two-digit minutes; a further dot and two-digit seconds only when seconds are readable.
8.29
